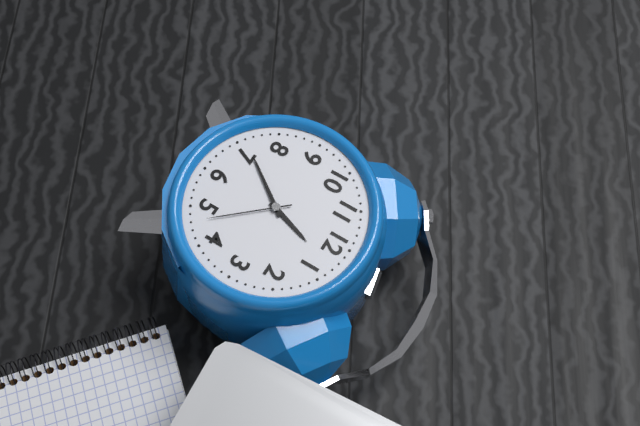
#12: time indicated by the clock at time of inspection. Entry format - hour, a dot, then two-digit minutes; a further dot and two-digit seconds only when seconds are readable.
12.36.23
